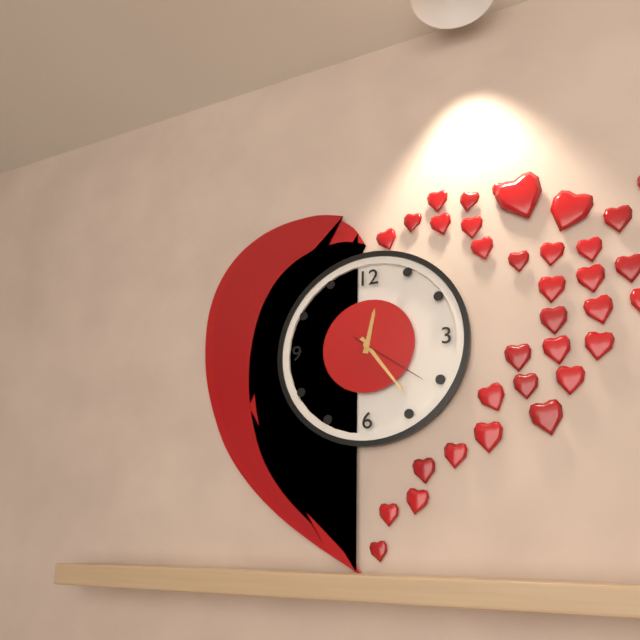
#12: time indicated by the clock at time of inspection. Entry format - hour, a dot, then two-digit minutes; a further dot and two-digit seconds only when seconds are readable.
12.24.21
